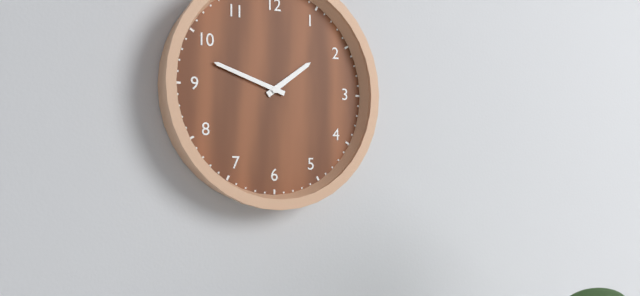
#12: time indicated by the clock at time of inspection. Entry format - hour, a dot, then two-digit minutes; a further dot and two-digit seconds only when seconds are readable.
1.48
